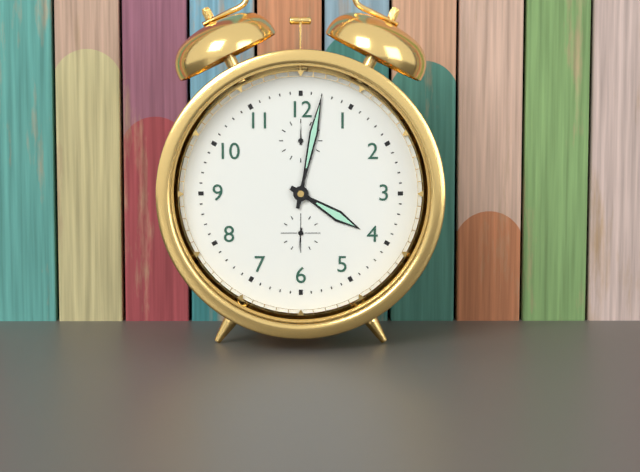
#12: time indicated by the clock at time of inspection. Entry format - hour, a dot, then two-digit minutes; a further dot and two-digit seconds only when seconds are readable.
4.02
